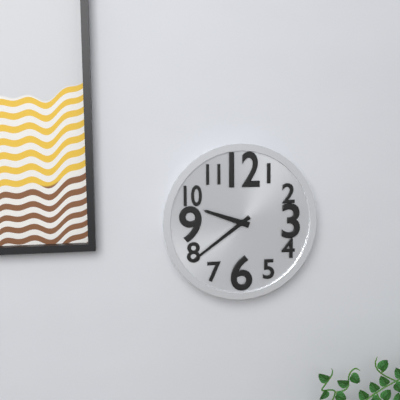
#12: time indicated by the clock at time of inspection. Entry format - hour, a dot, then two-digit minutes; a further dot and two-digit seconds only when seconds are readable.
9.39
